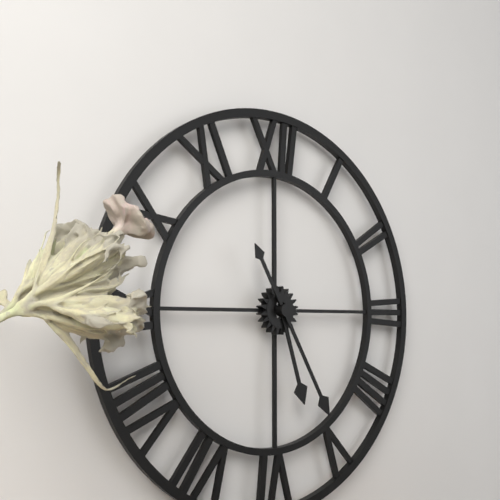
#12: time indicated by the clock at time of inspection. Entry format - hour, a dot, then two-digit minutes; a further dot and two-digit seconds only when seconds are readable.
5.25
